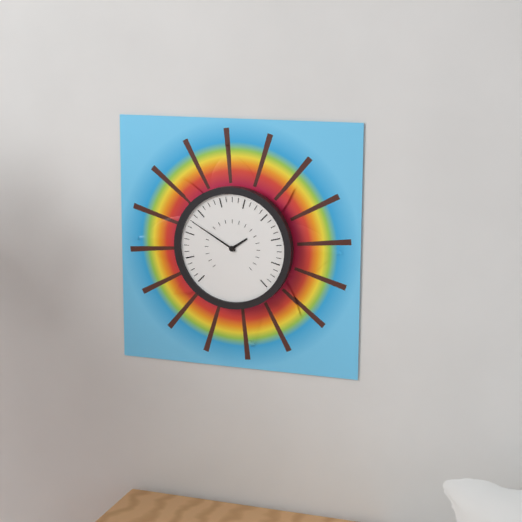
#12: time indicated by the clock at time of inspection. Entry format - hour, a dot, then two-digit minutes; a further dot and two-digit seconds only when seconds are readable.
1.50
